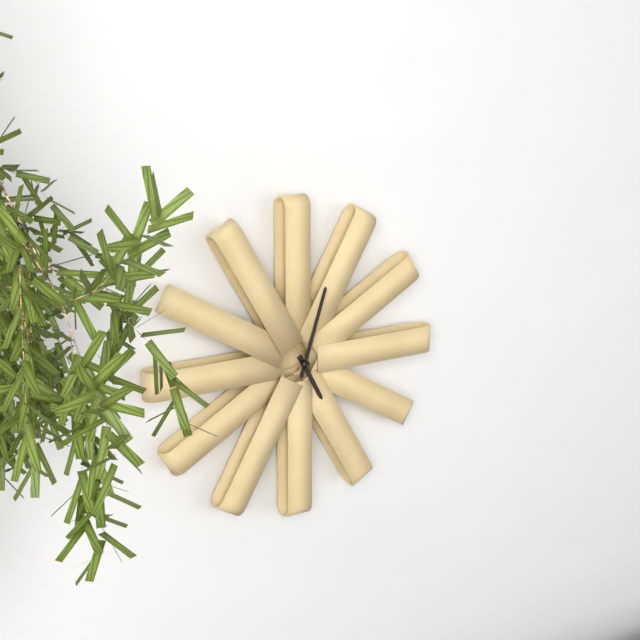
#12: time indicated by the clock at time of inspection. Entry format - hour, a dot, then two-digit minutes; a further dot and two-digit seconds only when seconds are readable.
5.03
